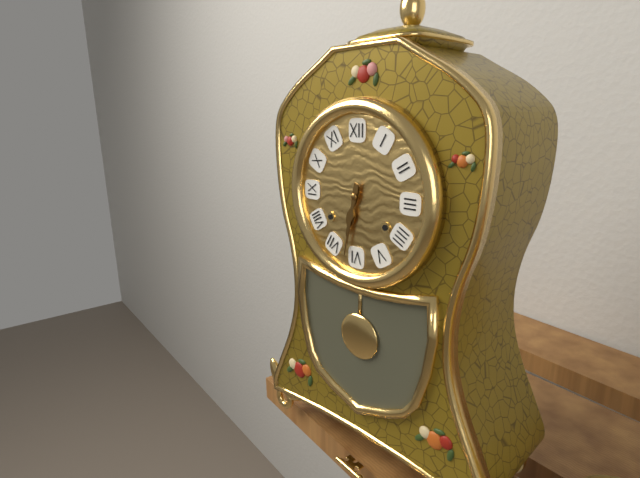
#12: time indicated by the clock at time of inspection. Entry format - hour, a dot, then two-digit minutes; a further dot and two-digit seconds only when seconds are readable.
6.32
